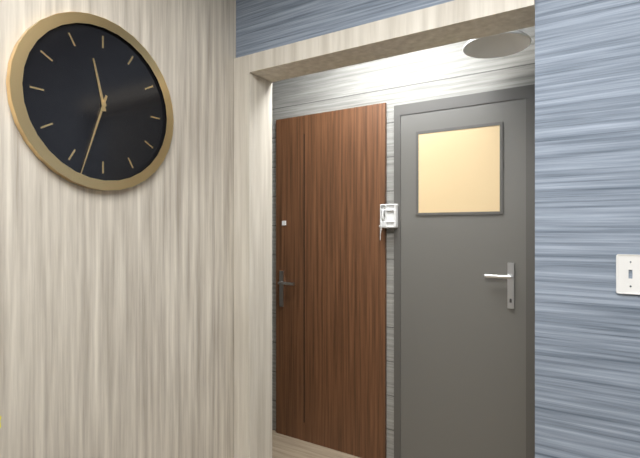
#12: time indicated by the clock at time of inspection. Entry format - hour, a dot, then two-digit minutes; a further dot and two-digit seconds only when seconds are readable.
11.33
